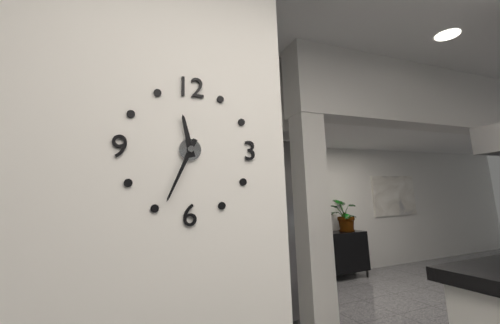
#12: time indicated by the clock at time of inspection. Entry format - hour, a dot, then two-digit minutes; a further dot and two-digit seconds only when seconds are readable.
11.34
